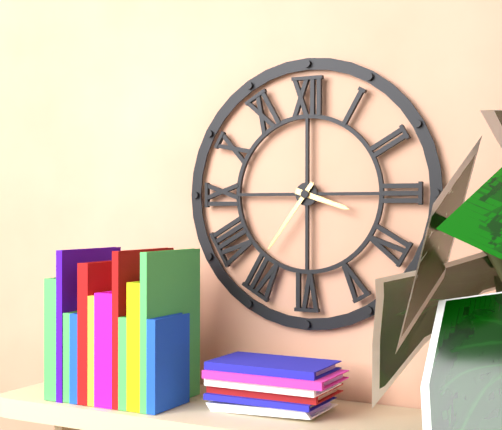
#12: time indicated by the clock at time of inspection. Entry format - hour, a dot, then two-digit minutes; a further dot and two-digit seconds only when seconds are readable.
3.36
